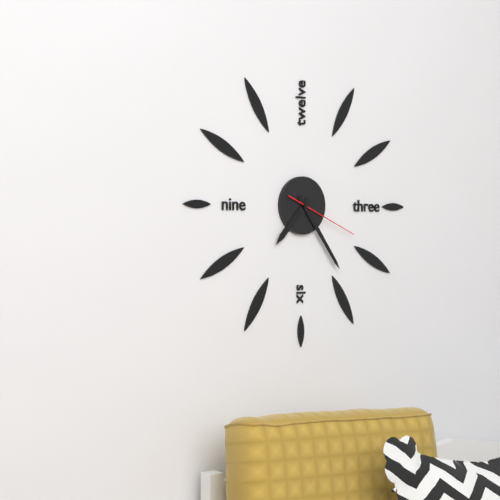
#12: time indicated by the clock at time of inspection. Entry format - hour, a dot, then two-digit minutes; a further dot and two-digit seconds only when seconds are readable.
7.24.19
